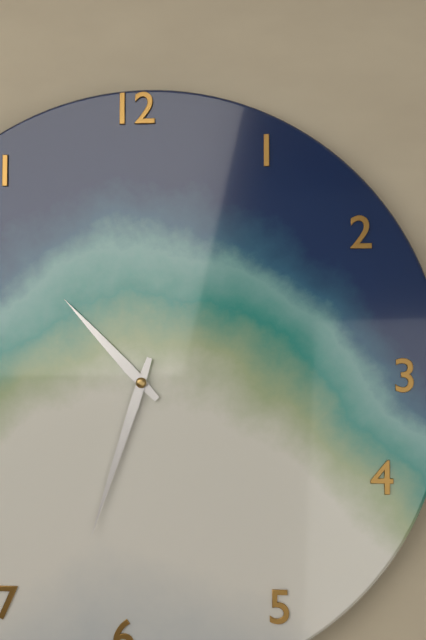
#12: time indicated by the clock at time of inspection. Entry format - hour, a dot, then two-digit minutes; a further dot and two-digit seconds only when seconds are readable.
10.33
